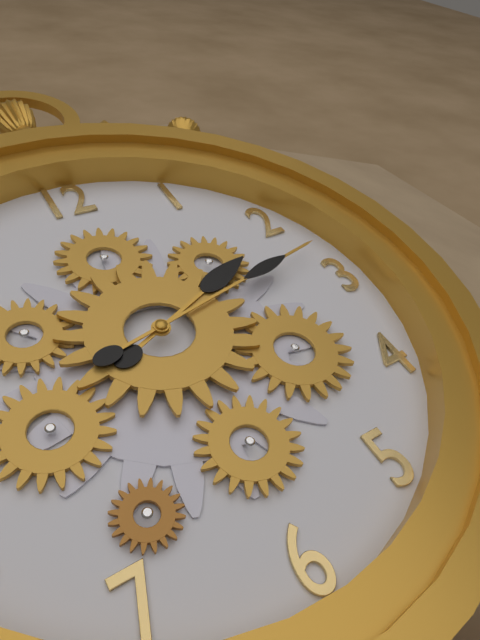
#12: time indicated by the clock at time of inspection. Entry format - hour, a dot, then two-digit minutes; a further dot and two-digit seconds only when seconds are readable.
2.13
